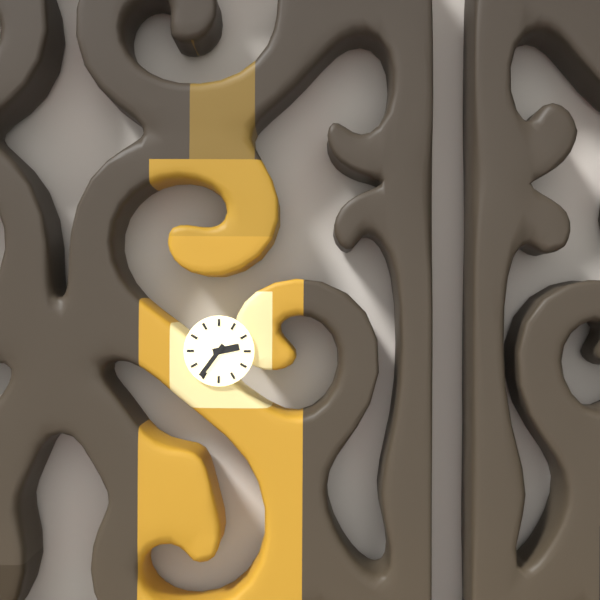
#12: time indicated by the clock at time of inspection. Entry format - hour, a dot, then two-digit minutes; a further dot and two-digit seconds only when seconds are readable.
2.36
